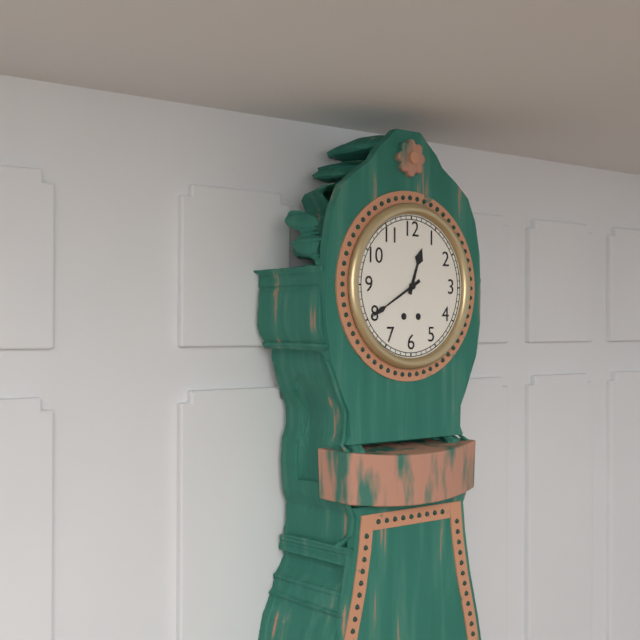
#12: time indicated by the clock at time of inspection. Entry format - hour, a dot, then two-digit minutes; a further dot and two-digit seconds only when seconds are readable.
12.40
